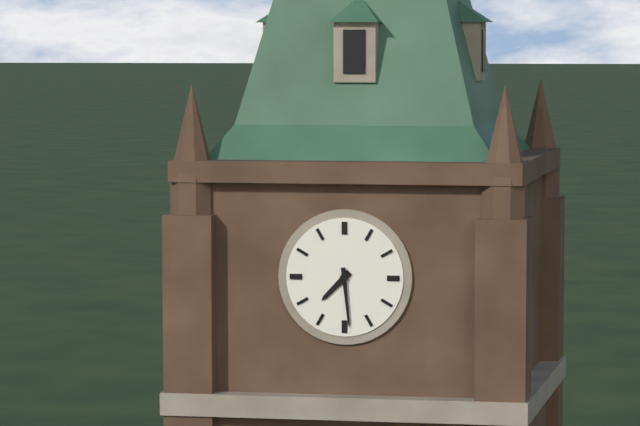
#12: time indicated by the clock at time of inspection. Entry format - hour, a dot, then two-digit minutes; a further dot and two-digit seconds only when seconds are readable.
7.29
